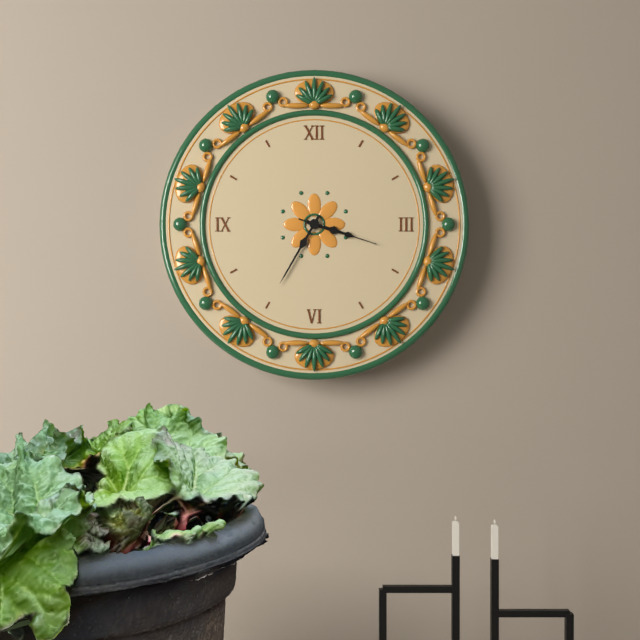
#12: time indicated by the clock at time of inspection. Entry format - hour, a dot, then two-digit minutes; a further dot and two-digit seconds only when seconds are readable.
3.35.18
